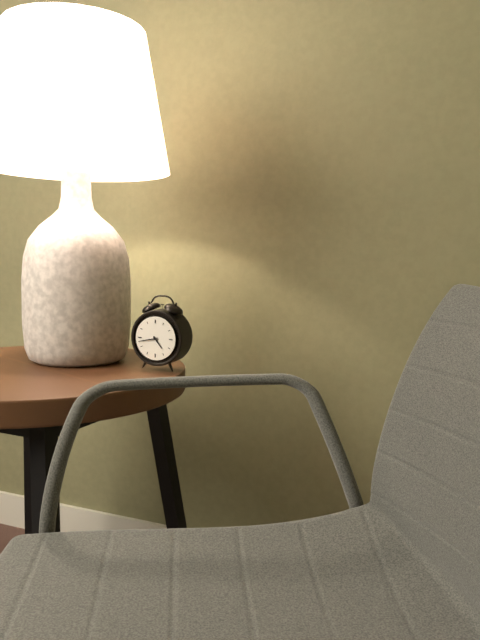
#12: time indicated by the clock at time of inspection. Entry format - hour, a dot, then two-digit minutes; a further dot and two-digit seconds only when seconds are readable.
4.43
